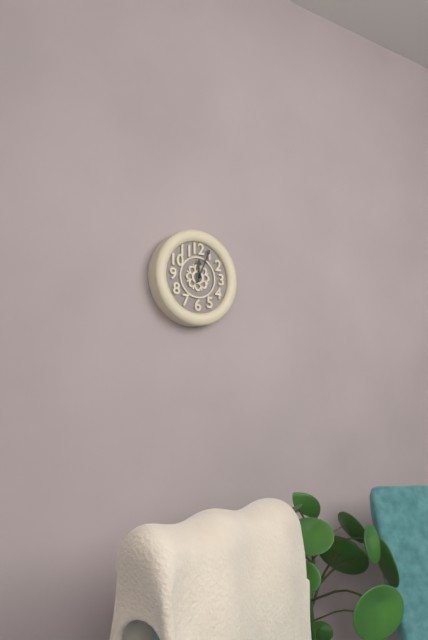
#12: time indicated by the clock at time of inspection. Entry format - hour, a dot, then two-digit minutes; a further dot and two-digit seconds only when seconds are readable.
12.04
